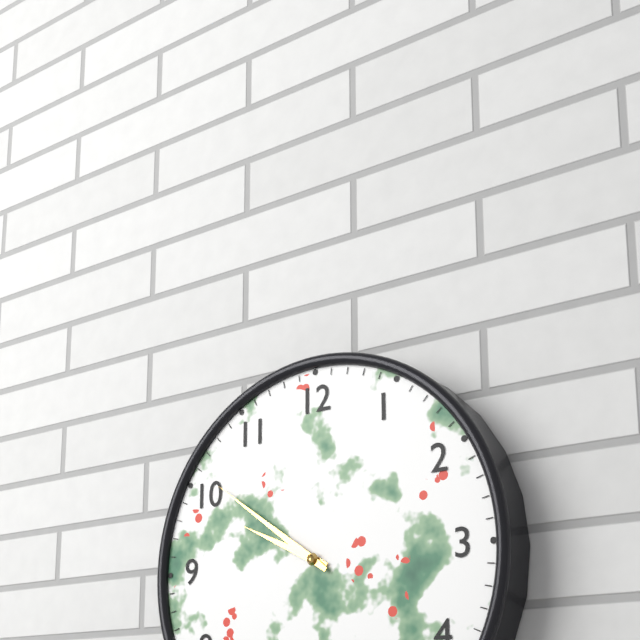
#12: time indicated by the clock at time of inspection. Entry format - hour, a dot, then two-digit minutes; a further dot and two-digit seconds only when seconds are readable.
9.51
